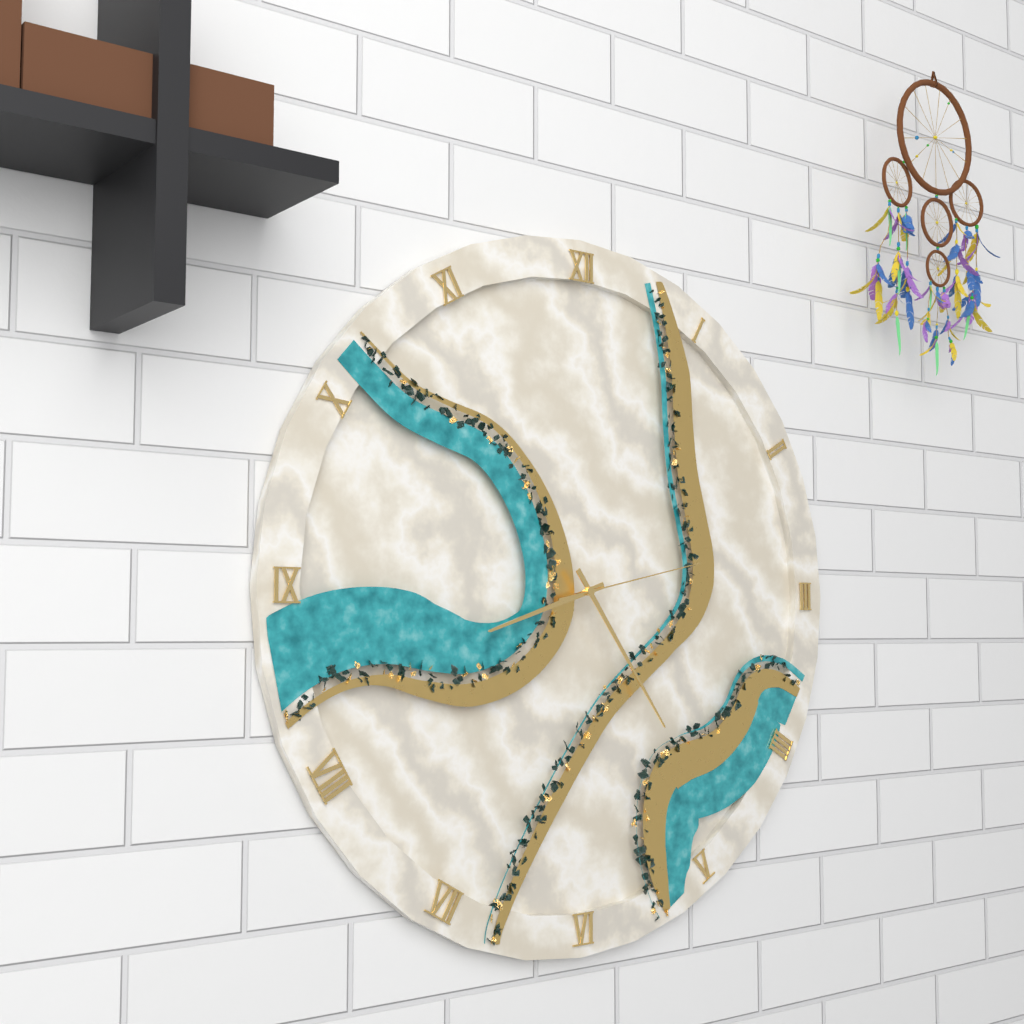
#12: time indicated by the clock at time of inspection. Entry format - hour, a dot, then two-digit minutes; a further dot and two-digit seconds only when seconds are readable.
8.24.13
